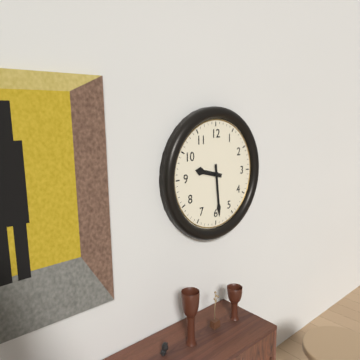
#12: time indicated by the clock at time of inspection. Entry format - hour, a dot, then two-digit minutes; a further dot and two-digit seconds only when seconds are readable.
9.29
